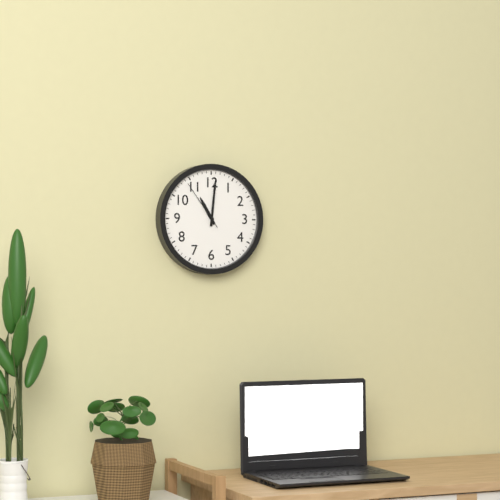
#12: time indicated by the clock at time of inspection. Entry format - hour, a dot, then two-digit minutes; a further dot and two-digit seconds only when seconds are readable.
11.01.54
